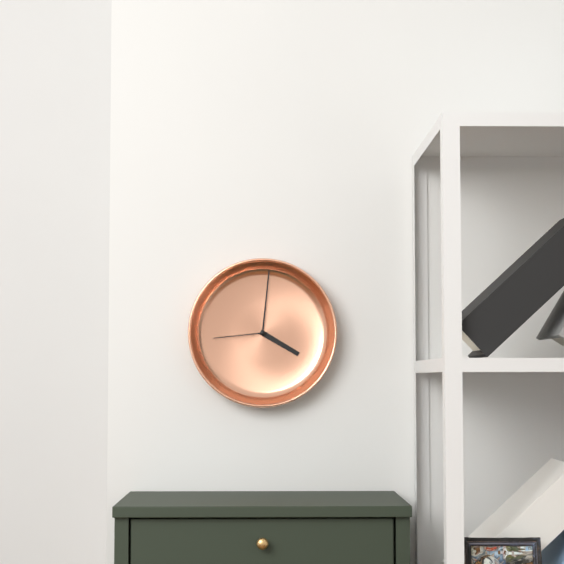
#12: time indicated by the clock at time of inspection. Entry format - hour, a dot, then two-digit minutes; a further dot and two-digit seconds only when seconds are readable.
4.01.44
